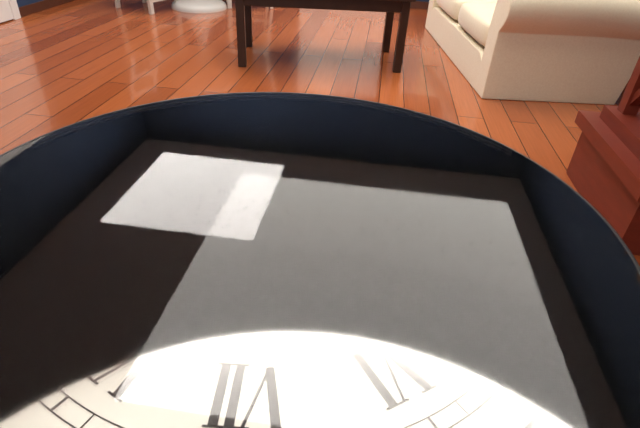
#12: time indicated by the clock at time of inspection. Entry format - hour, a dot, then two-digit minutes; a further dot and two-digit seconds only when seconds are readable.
2.40
